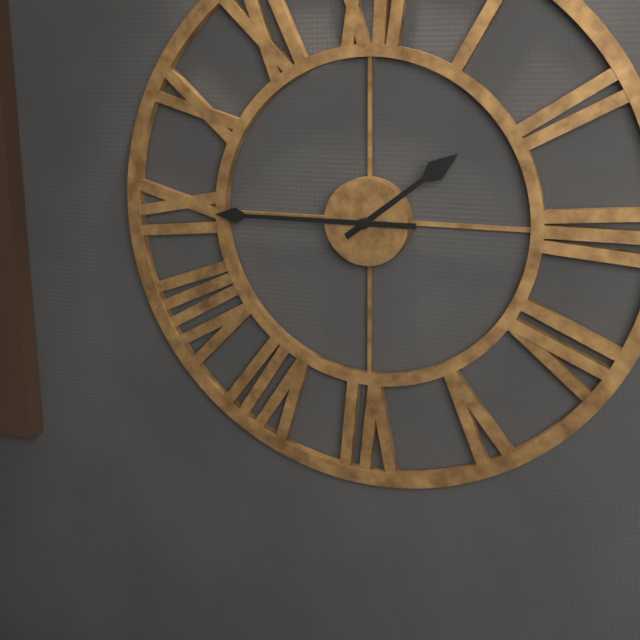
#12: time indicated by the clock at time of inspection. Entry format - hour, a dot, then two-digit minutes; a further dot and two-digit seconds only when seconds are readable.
1.45
